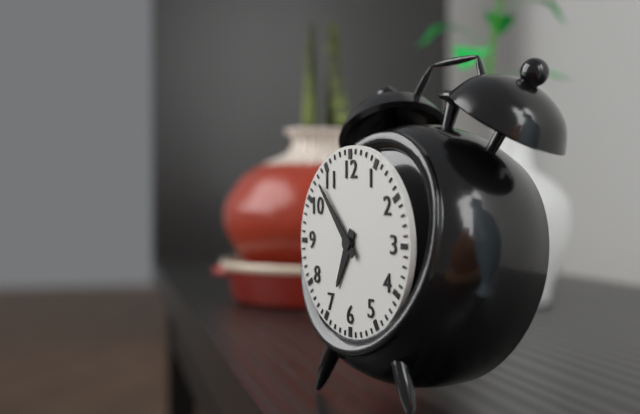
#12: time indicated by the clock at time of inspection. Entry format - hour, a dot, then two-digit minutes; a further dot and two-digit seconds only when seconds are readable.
6.53
